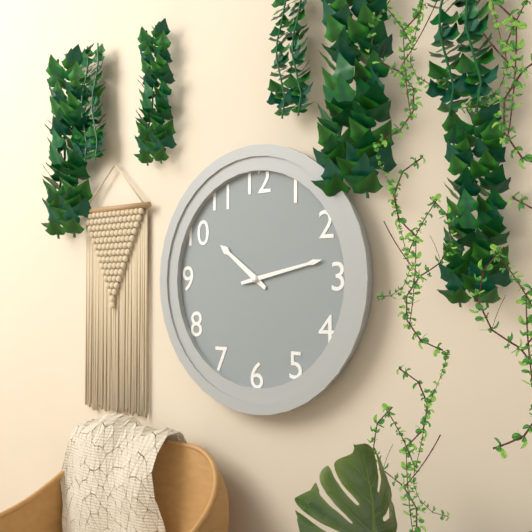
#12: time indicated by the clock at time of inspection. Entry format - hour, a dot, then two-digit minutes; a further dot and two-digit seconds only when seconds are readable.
10.13
